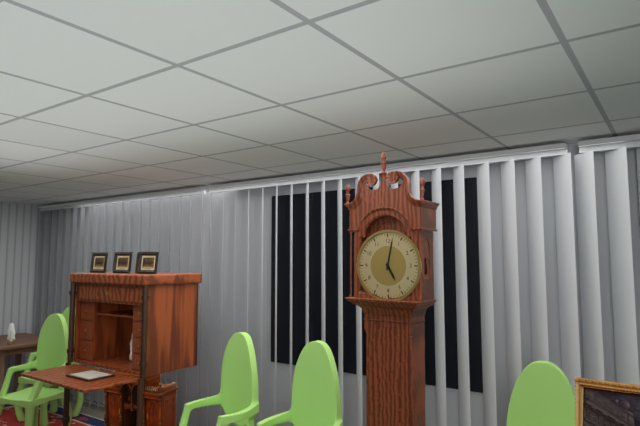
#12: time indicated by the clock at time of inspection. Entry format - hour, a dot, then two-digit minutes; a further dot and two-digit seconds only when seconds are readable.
5.02
